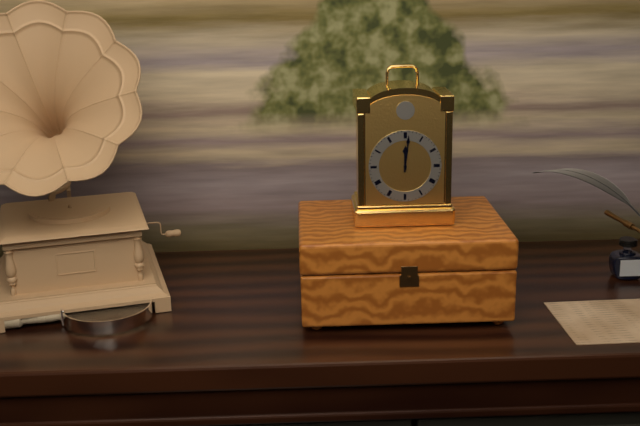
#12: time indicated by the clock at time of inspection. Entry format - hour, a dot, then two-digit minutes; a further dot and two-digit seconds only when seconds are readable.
12.01
